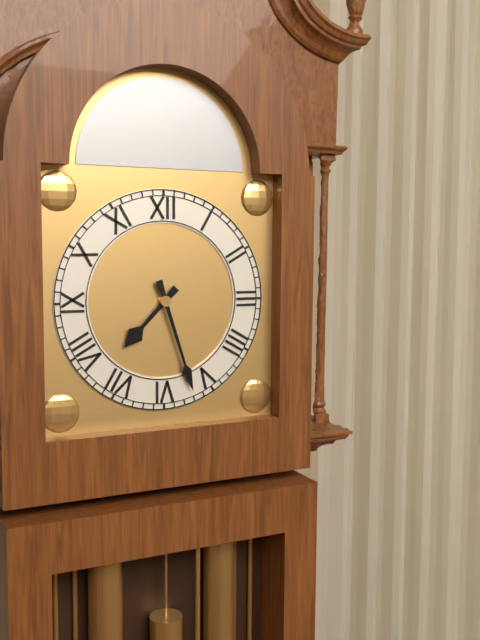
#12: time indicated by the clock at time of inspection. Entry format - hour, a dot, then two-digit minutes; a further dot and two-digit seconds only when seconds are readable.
7.27
